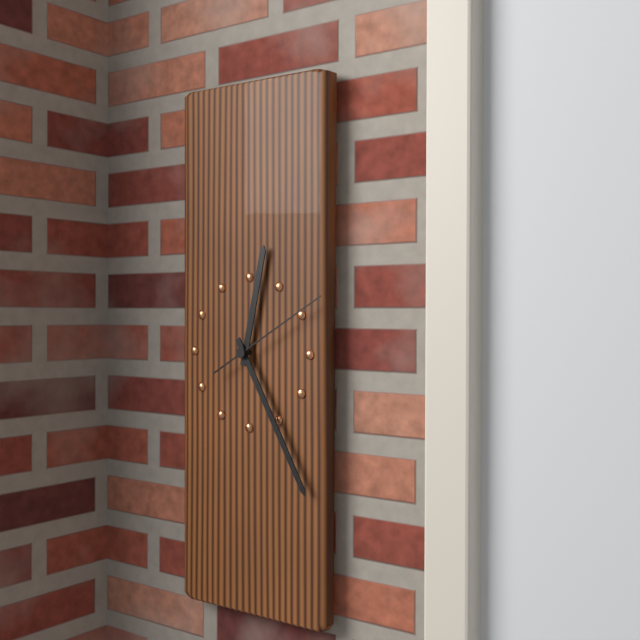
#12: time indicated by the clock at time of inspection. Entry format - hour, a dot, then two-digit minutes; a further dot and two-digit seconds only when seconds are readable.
12.25.10
